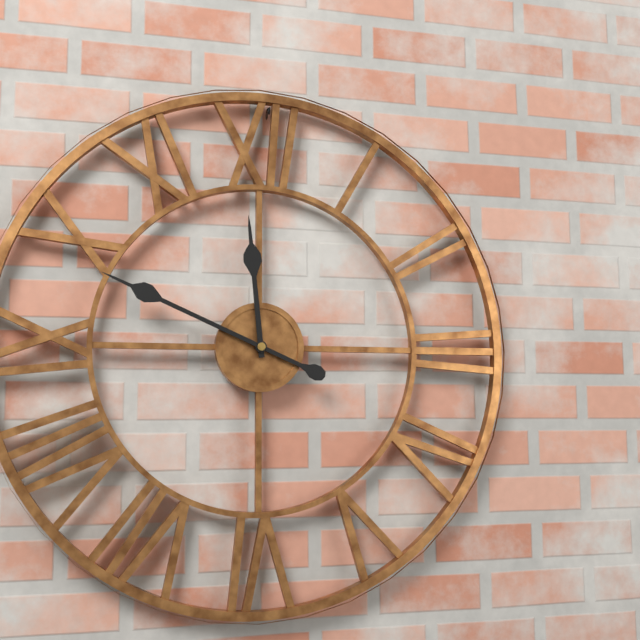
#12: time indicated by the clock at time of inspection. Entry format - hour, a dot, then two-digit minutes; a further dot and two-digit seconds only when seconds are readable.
11.49
